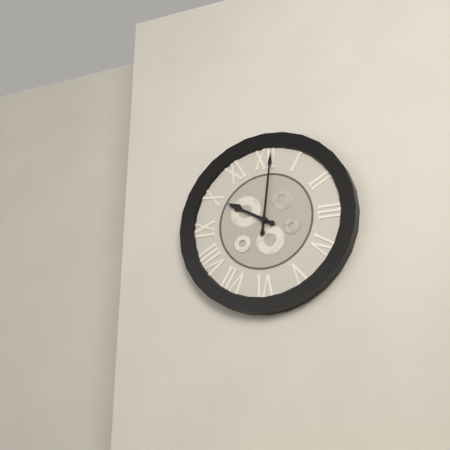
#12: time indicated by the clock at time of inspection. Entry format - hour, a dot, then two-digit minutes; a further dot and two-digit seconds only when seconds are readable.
10.01
